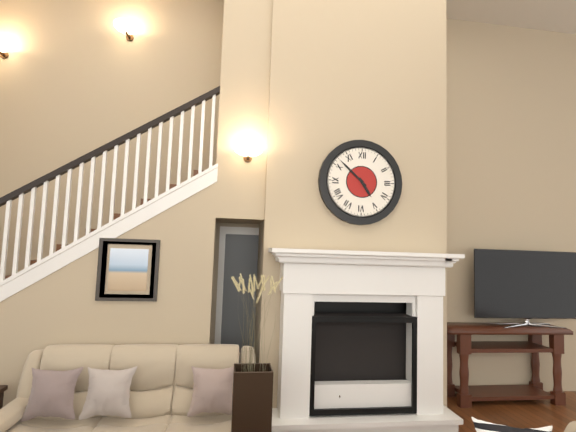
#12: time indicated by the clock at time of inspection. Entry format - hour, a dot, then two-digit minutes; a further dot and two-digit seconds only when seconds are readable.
4.52
